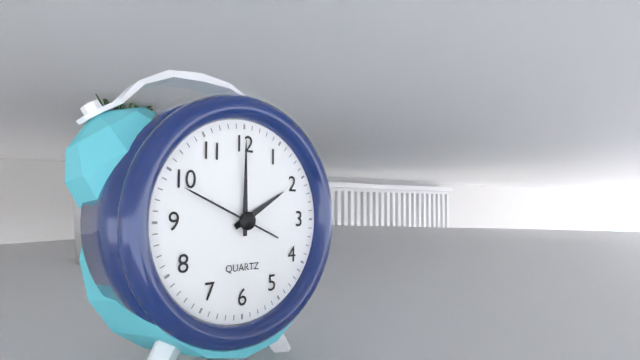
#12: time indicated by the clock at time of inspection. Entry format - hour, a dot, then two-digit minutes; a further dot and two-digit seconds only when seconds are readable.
2.00.49
